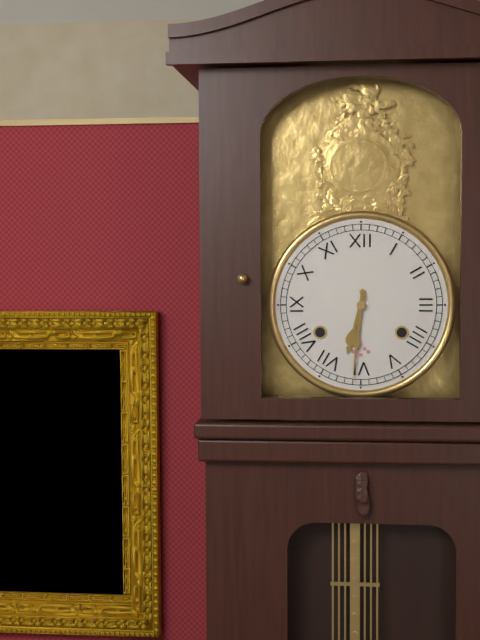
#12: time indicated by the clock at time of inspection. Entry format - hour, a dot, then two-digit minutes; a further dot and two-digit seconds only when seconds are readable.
6.31
